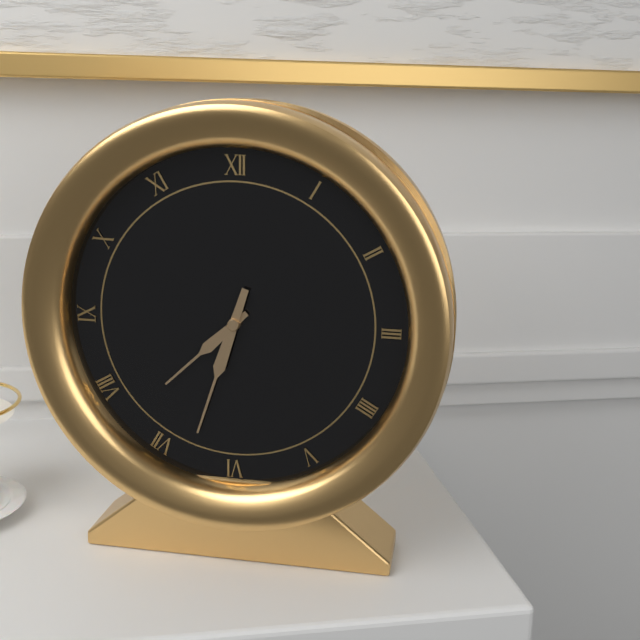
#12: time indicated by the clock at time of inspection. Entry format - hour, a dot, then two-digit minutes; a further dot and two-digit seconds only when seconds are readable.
7.33
